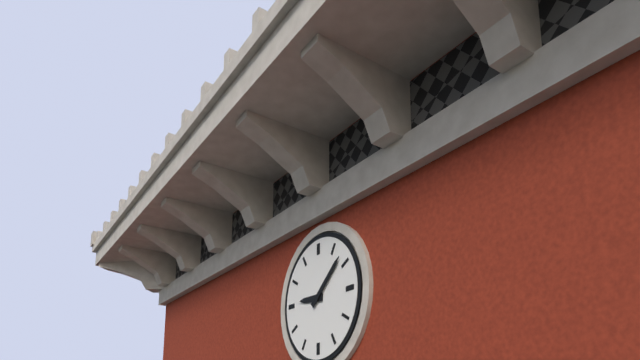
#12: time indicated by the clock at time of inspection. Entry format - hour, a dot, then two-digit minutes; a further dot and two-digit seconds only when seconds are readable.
9.08
